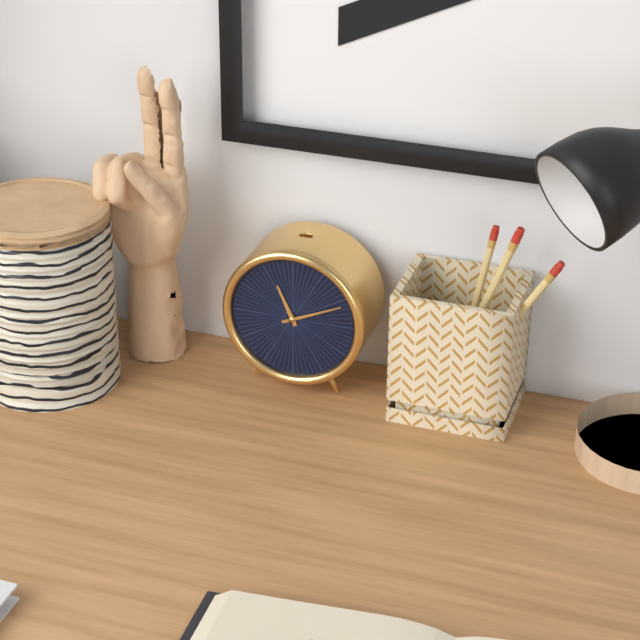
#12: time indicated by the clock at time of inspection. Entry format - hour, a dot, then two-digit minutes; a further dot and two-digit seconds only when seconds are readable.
11.11
